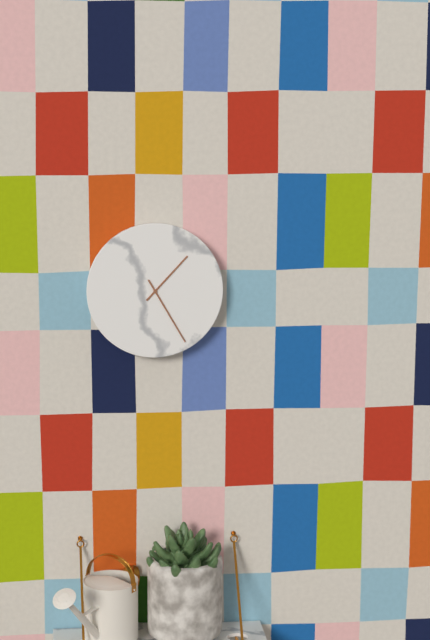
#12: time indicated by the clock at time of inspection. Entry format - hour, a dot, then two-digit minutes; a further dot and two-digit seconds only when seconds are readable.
1.25
